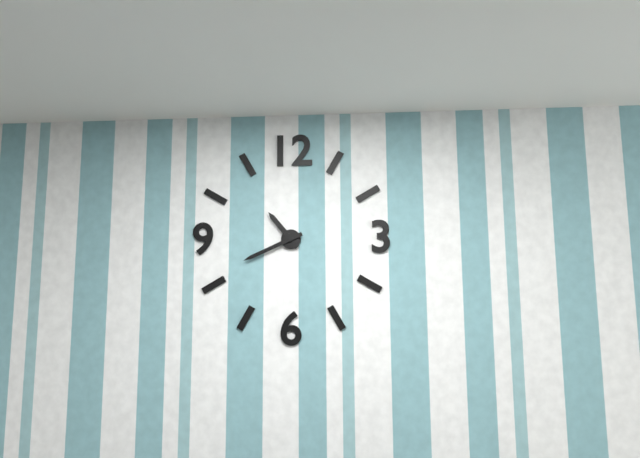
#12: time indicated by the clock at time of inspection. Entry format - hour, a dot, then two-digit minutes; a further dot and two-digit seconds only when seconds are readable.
10.41
